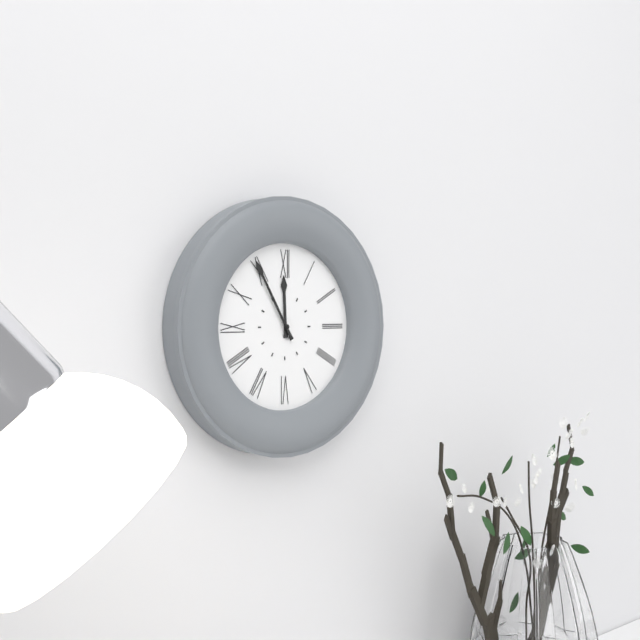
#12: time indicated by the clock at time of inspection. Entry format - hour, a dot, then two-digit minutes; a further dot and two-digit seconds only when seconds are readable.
11.55
